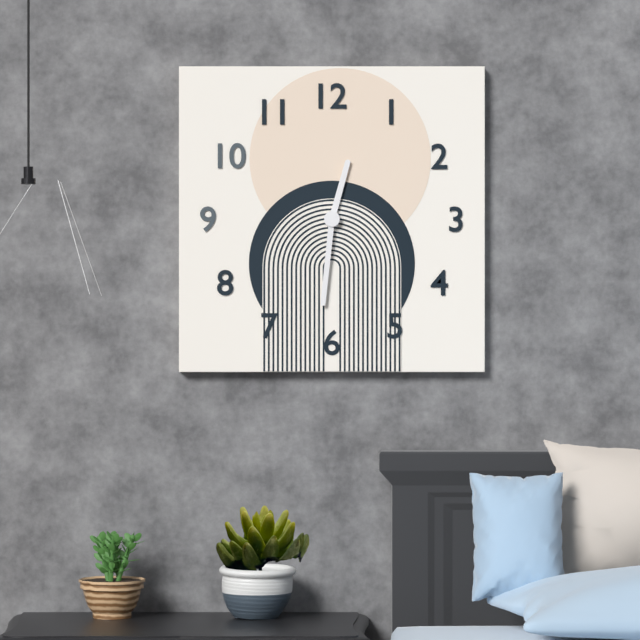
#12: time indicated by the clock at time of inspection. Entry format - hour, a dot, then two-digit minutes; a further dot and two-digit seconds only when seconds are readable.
12.31
